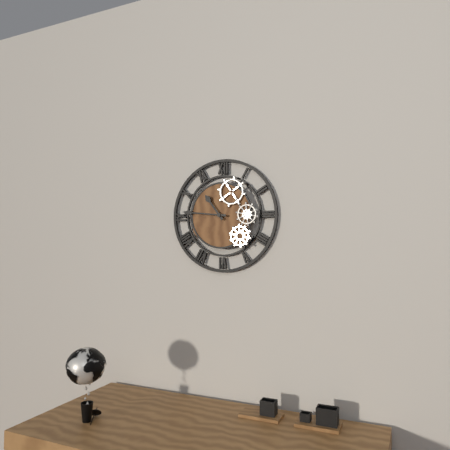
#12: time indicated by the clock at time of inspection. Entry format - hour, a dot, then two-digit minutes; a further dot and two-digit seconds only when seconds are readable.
10.46
